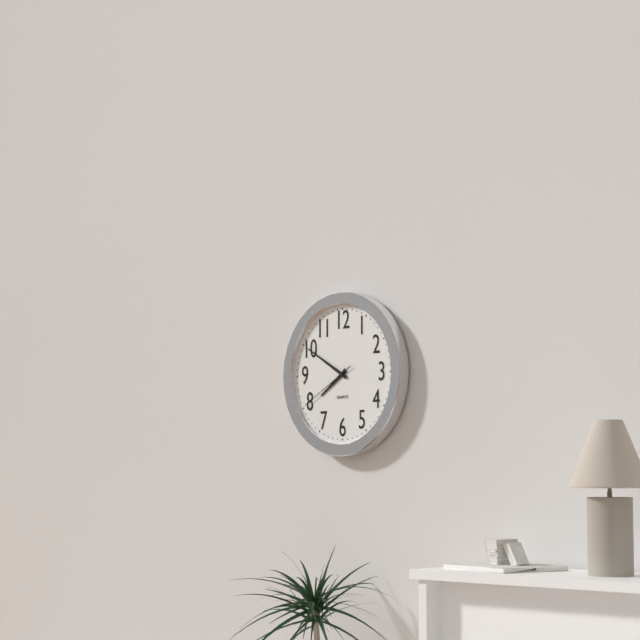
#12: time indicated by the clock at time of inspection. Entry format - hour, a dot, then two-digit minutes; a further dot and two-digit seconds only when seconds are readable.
7.50.40
